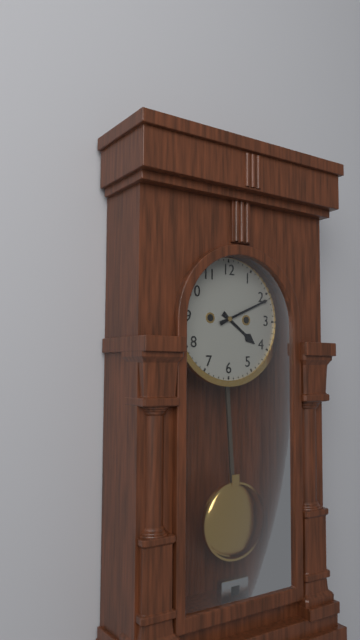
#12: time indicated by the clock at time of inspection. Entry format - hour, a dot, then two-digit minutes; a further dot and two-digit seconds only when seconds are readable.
4.11
